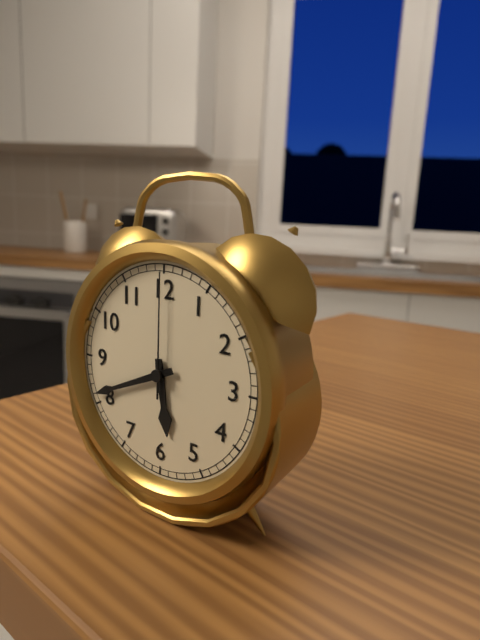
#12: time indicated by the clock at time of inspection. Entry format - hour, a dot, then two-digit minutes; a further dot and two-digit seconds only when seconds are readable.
5.41.00
